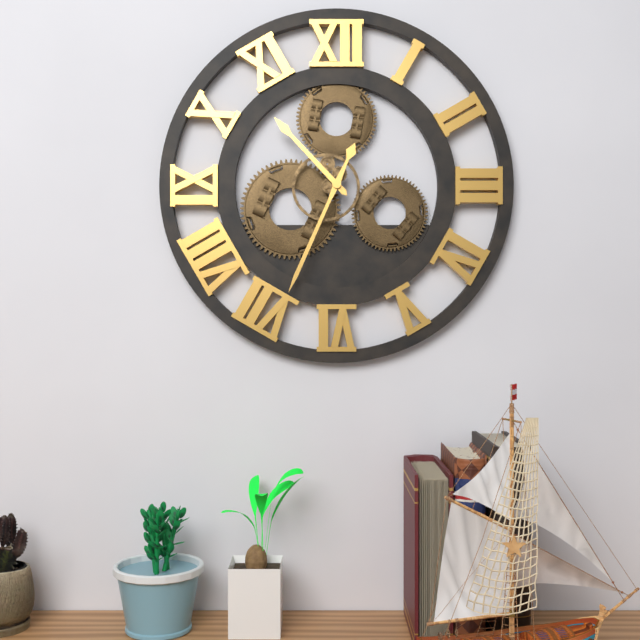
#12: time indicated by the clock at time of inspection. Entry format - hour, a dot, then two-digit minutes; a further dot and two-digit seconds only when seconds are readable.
10.34
